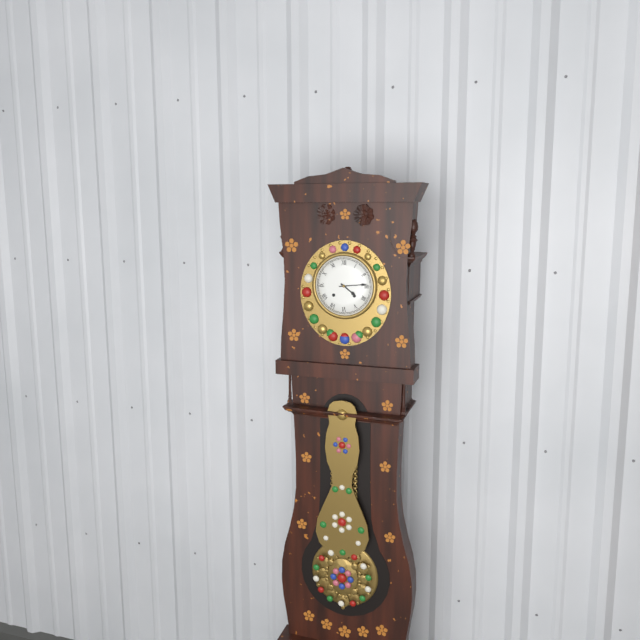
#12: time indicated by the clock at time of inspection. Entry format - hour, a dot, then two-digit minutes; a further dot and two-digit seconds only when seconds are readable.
4.14
